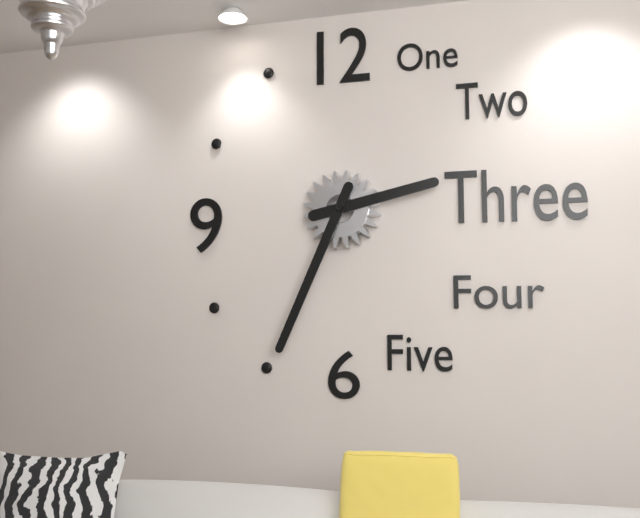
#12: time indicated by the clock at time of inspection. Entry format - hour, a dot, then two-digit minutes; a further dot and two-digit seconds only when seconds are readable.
2.34
